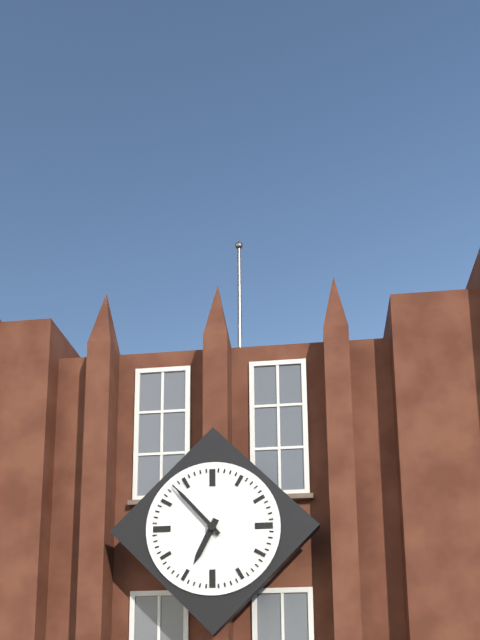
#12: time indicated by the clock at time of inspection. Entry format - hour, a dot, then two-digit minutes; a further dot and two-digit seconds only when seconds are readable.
6.53
